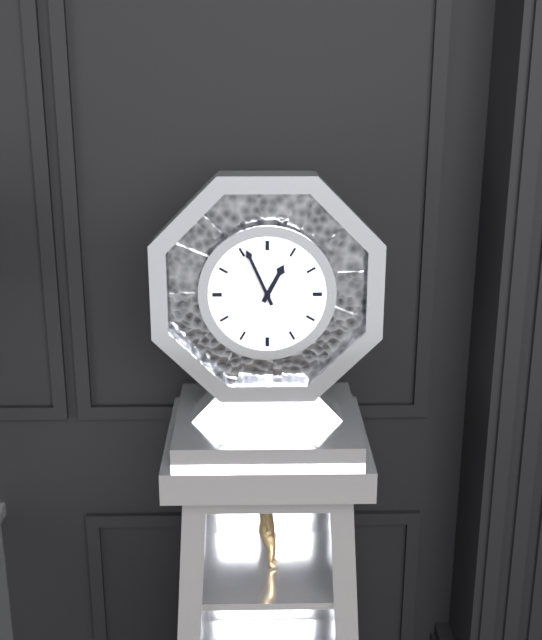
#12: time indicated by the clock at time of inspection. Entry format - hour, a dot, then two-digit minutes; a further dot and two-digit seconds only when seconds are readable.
12.56
